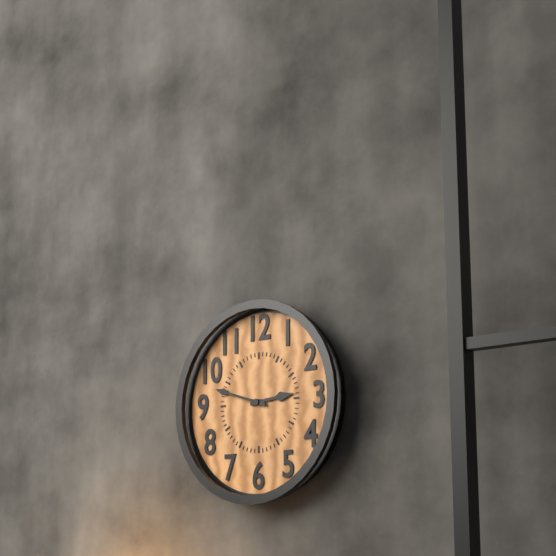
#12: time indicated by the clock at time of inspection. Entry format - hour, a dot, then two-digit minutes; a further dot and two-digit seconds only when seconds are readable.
2.48
